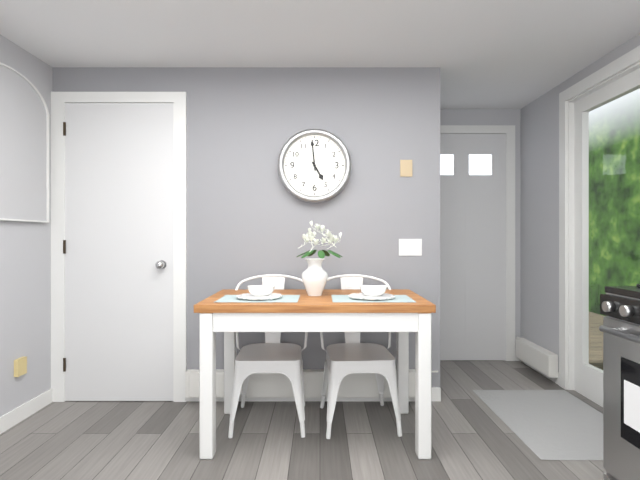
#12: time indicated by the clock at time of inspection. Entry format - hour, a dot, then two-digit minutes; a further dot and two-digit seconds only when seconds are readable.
4.59
